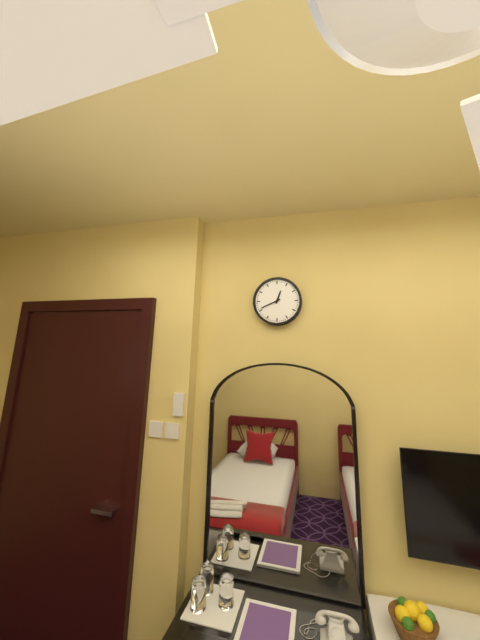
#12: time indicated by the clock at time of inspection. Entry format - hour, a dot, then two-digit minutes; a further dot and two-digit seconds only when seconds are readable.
12.41
